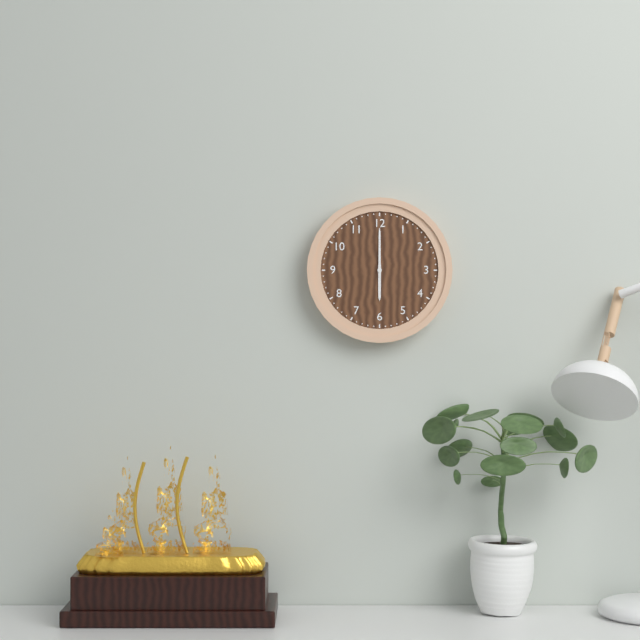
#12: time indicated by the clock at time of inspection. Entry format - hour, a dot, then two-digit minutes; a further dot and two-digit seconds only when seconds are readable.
6.00
